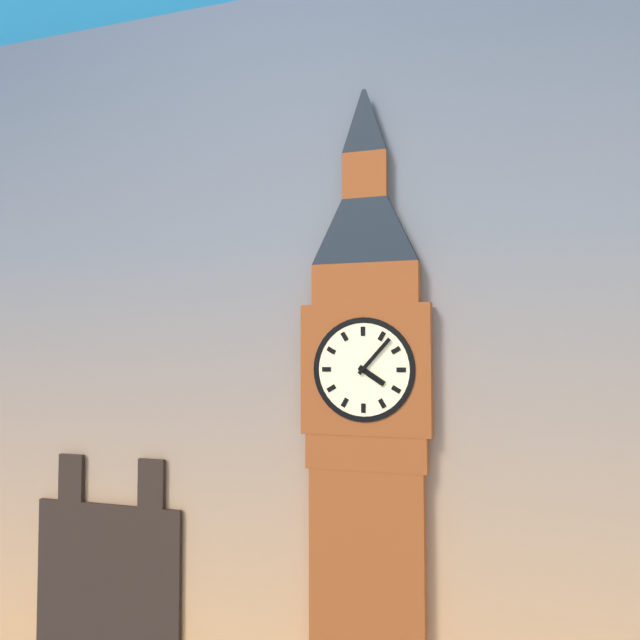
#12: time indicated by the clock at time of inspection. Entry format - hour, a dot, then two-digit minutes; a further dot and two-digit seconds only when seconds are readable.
4.07
